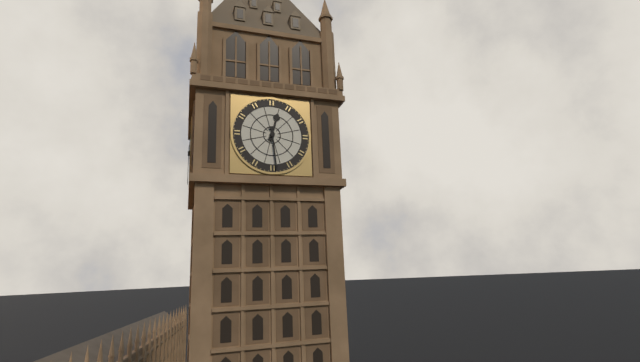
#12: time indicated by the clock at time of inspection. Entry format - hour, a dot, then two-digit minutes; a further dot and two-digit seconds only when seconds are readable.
12.29
